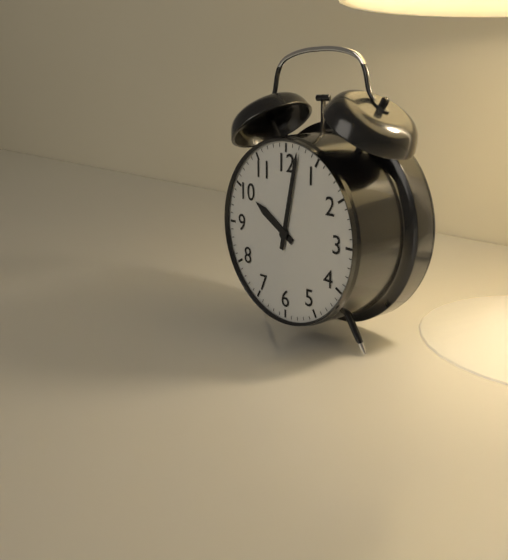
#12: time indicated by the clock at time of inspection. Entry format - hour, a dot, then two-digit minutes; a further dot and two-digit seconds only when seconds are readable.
10.02
